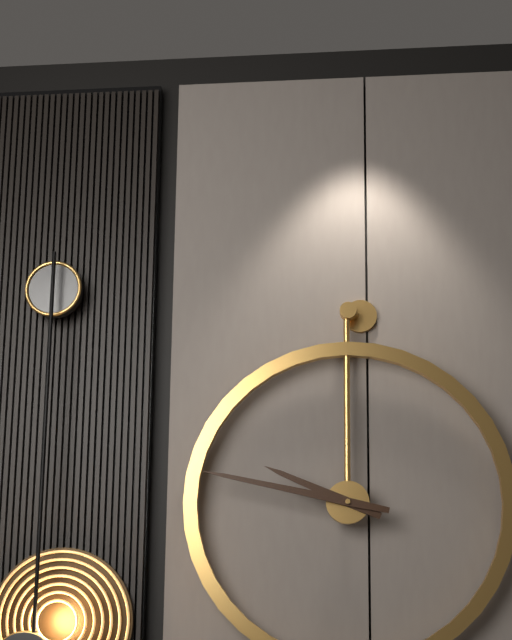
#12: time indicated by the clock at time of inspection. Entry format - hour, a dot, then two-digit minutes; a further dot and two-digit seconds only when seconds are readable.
9.47
